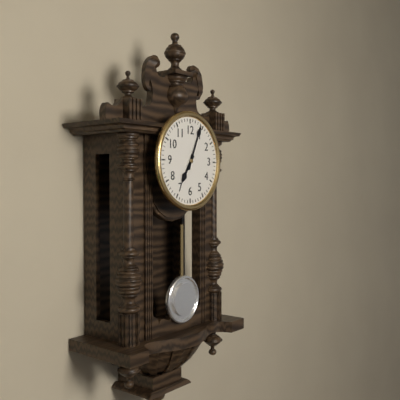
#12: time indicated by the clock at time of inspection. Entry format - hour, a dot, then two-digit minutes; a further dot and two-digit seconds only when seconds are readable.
7.04
